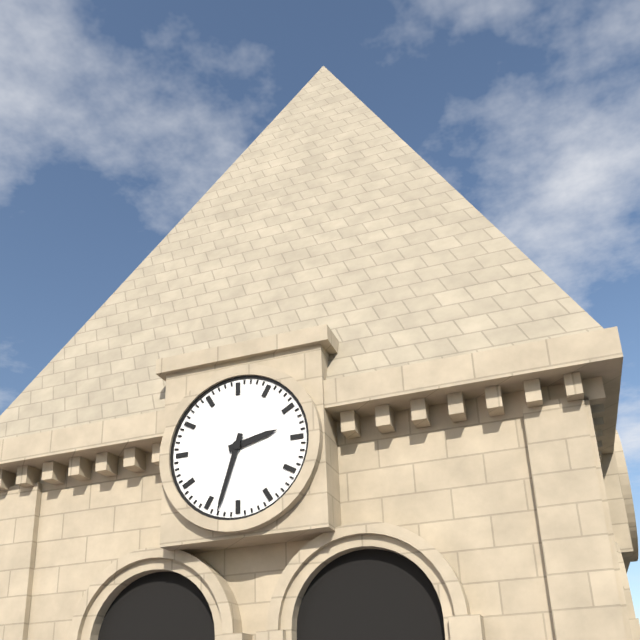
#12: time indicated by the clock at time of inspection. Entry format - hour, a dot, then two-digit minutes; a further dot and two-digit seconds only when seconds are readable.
2.33
